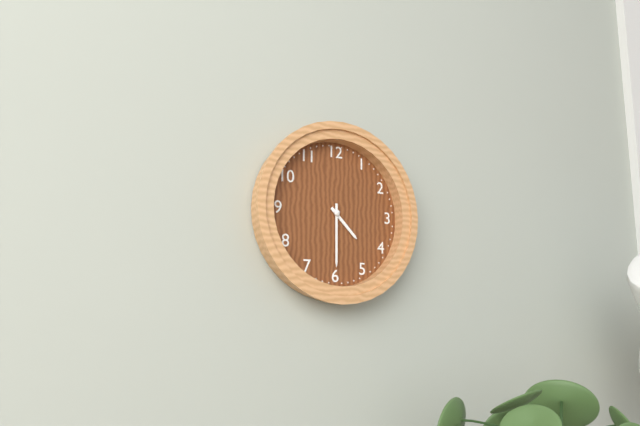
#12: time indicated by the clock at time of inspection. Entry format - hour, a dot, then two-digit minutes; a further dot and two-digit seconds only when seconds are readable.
4.30
